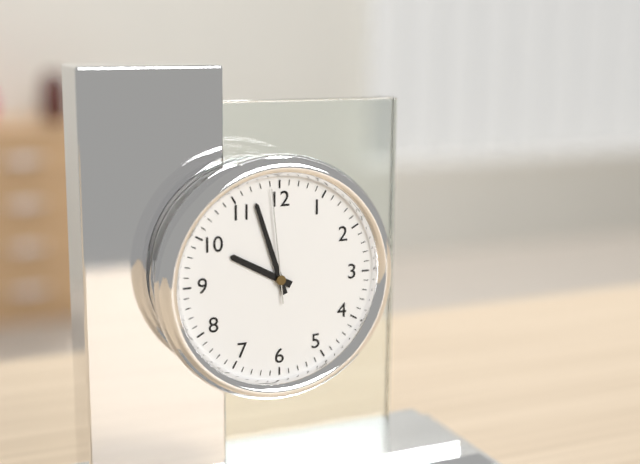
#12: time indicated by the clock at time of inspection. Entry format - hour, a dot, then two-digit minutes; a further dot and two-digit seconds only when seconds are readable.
9.57.59
